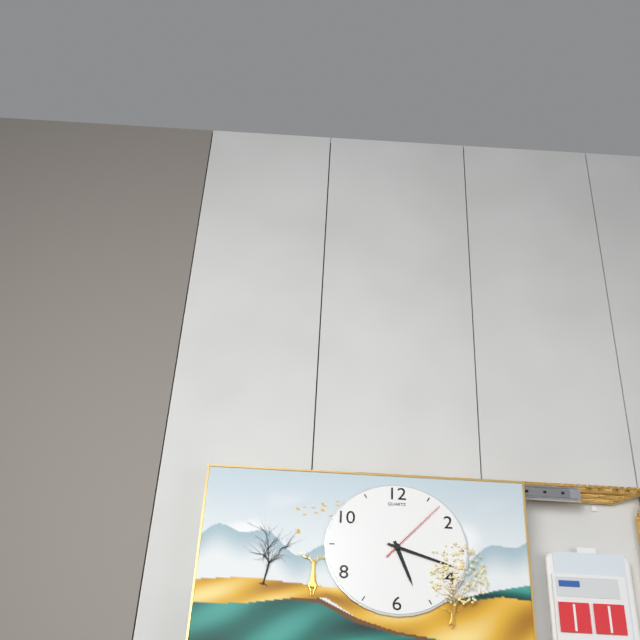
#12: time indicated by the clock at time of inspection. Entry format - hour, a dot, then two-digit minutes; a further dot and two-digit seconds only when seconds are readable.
5.18.07
